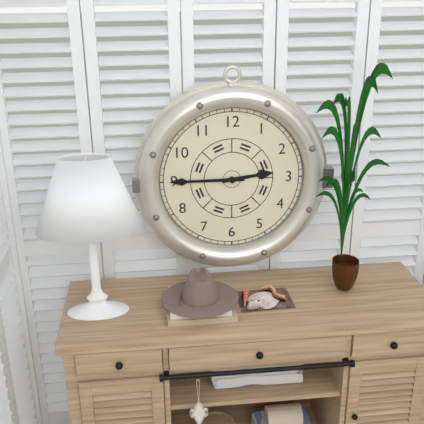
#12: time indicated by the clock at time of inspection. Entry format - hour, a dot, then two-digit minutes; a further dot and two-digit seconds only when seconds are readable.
2.45
